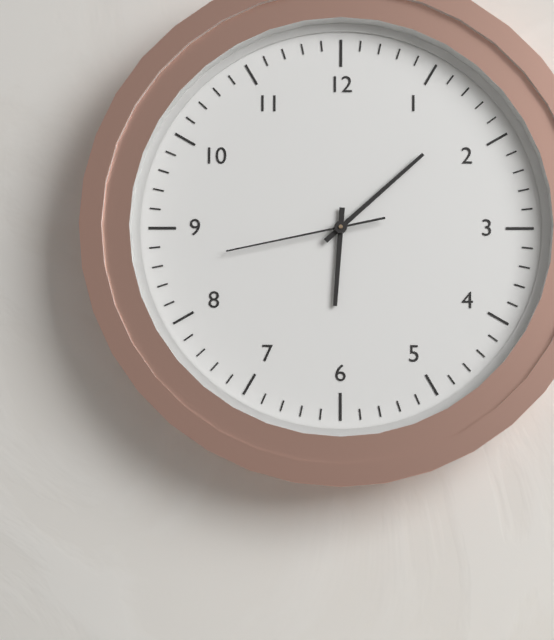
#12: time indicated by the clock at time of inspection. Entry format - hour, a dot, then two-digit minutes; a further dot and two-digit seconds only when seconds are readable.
6.08.43
